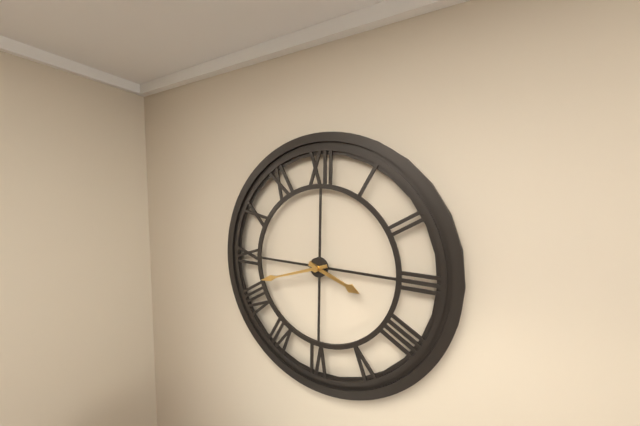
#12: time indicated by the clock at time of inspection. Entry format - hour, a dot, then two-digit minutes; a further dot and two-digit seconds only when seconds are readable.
3.42
